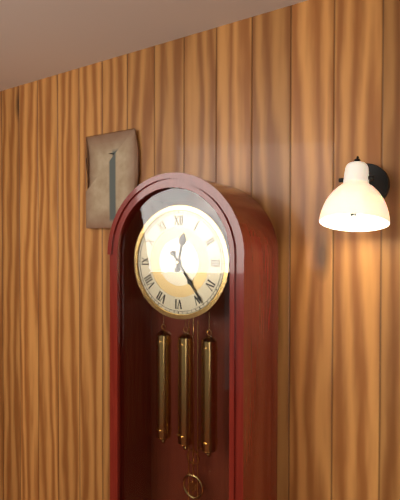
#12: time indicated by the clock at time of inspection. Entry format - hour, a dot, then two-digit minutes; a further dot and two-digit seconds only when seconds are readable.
12.24
